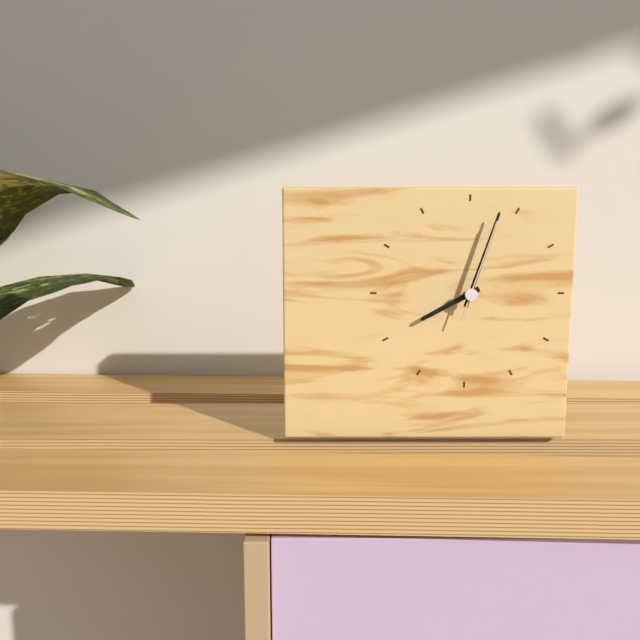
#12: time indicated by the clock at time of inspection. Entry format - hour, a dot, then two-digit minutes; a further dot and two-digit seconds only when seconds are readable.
8.03.03
